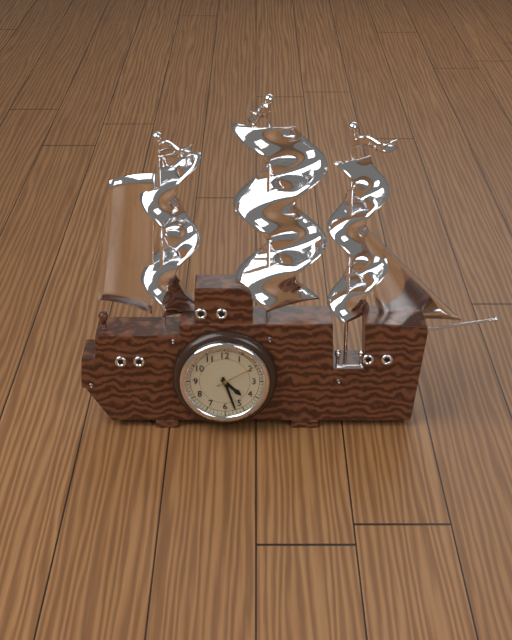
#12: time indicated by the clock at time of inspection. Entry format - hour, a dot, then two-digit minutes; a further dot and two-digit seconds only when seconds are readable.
4.27
